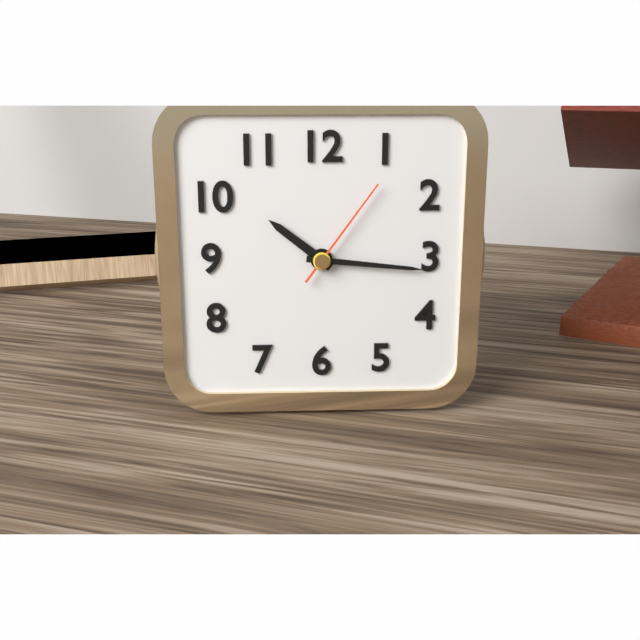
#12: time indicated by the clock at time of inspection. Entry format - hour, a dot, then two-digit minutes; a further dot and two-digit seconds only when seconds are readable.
10.16.06
